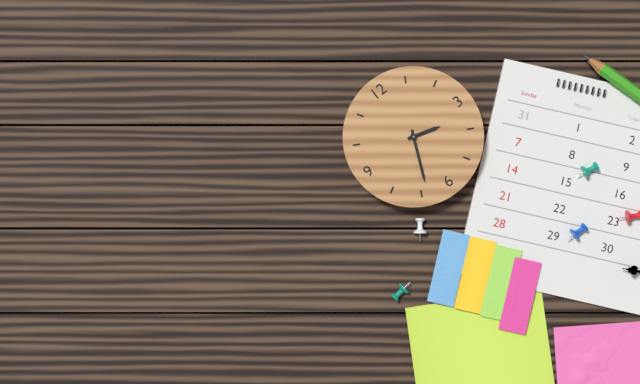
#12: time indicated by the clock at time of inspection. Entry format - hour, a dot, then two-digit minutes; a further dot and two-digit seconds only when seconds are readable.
3.34
